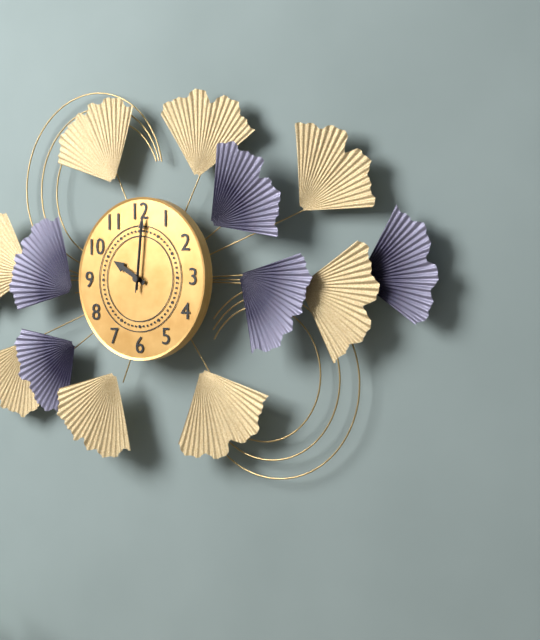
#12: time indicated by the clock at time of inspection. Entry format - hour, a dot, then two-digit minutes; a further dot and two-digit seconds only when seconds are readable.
10.01.01
